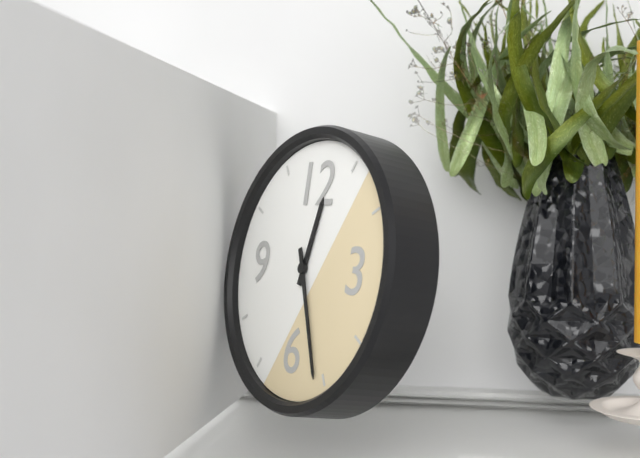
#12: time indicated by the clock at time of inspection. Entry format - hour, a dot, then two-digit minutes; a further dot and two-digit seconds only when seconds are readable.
12.26
